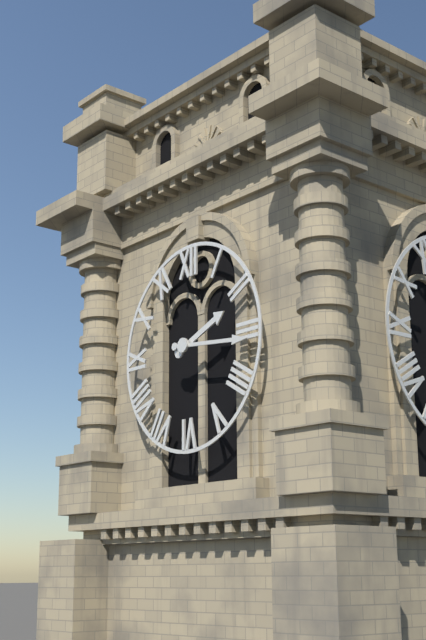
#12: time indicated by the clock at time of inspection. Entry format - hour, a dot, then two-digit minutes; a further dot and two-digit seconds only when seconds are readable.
2.16
